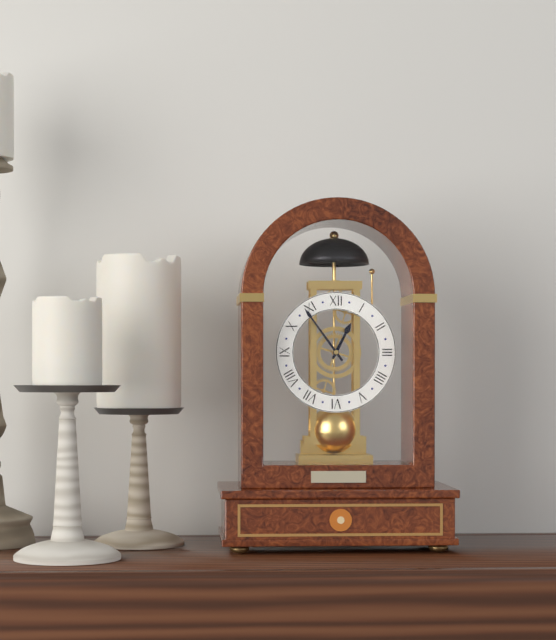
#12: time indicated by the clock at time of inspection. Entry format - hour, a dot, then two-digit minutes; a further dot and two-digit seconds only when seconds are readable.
12.54
